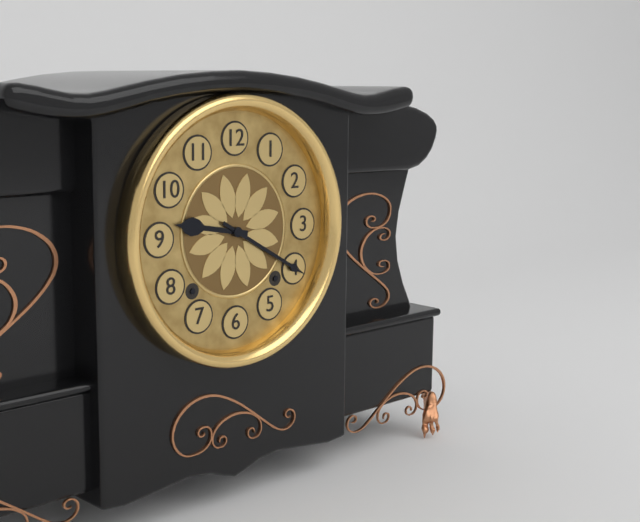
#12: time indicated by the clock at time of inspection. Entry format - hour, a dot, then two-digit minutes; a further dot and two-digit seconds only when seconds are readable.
9.20
